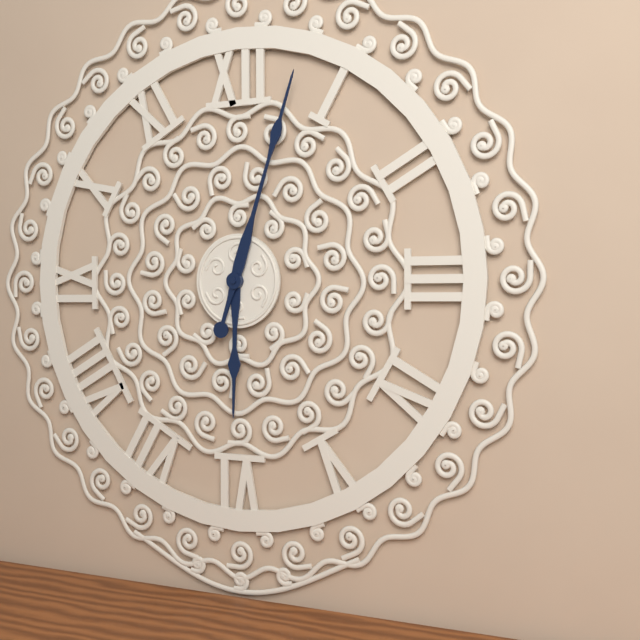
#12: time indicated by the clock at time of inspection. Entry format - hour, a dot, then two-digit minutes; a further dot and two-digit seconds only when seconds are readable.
6.03
